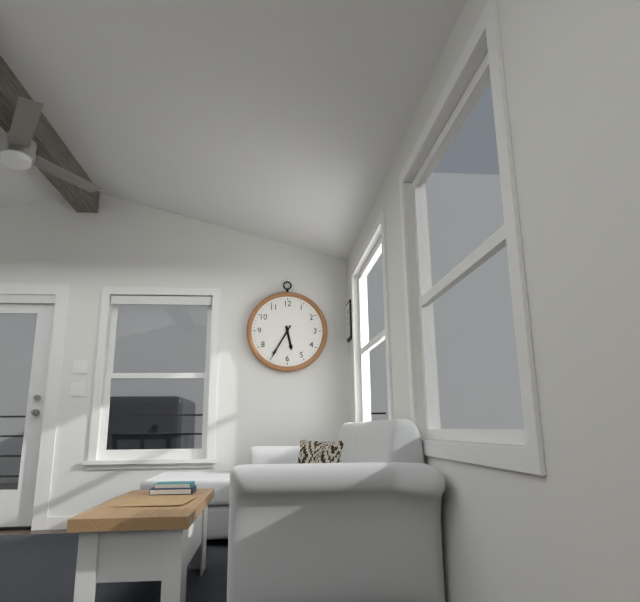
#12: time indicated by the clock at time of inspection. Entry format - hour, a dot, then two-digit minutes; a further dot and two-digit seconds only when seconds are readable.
5.35
